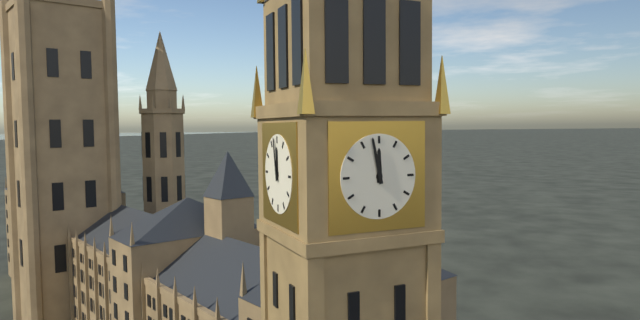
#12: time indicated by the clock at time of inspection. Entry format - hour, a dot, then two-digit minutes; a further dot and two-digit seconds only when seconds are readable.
11.58
